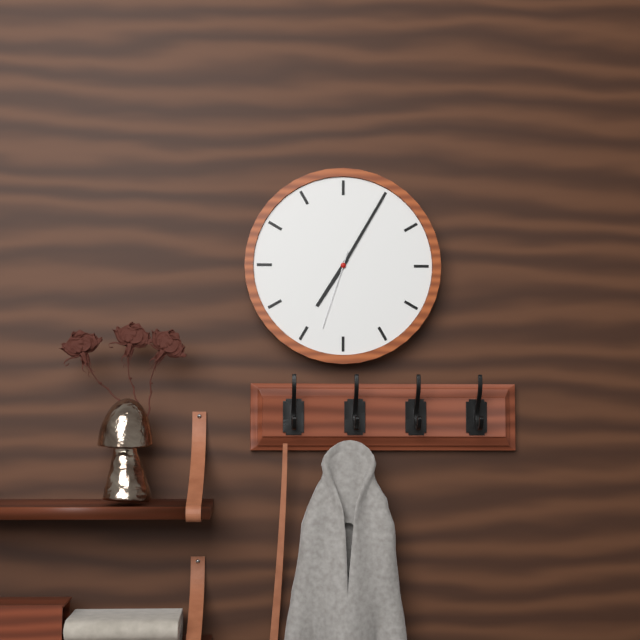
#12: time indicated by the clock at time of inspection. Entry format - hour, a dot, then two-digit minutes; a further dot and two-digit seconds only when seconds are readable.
7.05.33
